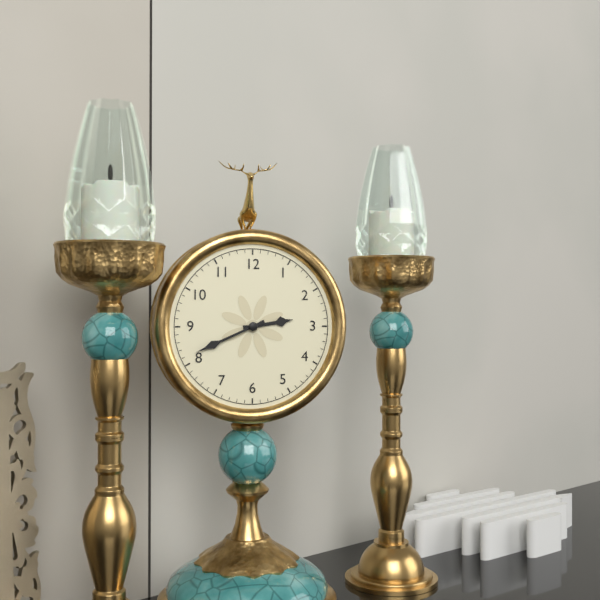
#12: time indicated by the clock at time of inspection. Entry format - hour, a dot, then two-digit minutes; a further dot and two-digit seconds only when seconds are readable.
2.41
